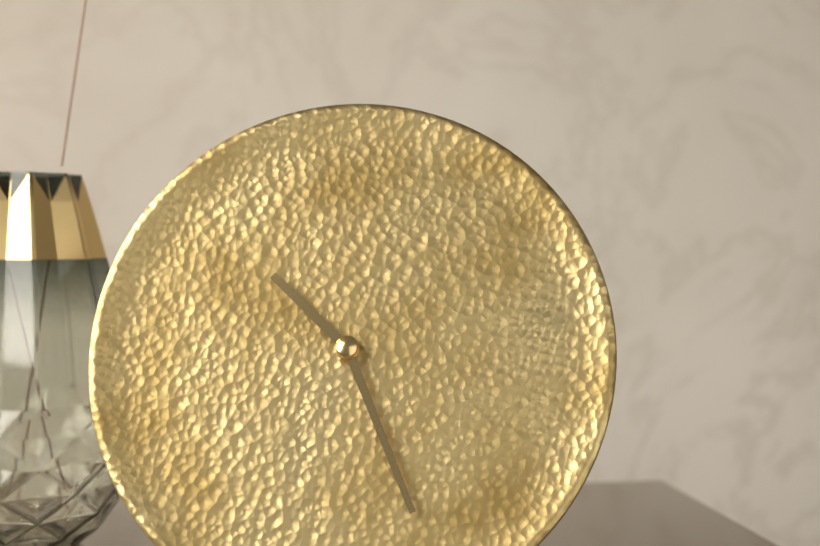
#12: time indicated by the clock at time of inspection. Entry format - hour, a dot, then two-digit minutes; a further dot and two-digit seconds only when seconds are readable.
10.26
